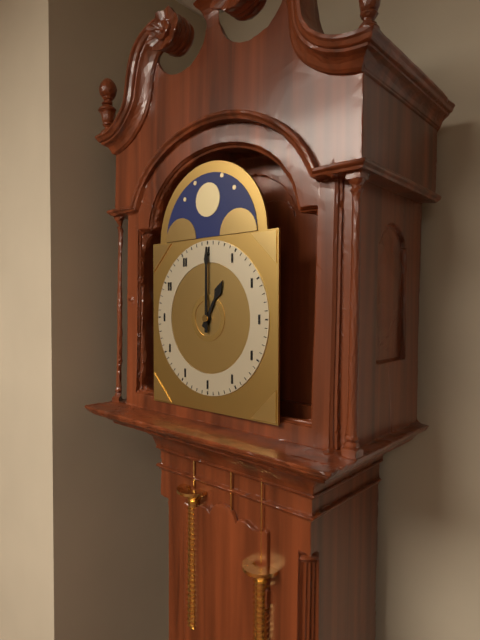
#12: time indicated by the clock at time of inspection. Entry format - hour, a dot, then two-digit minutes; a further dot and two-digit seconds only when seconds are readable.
1.00
